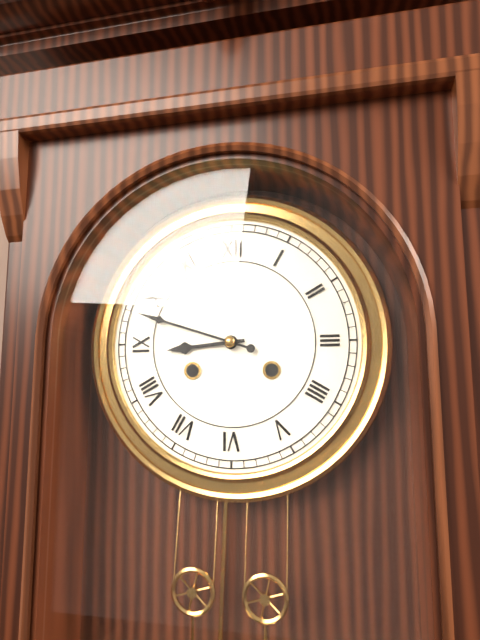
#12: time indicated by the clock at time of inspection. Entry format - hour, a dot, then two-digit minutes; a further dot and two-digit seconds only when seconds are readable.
8.48
